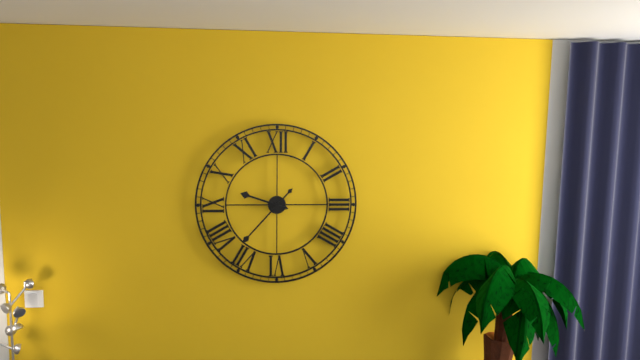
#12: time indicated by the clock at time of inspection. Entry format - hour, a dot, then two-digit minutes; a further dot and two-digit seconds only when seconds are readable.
9.37
